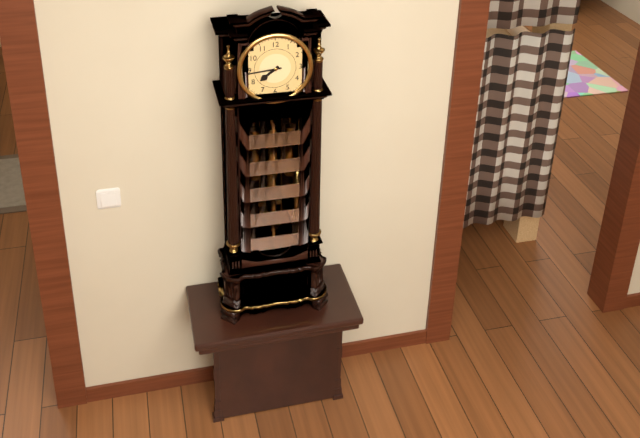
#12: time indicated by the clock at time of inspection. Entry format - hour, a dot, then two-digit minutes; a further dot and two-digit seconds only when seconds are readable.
7.44
